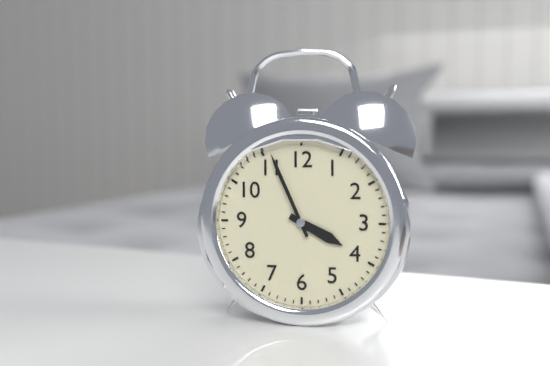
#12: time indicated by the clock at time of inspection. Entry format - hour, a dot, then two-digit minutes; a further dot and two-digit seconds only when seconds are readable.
3.56
